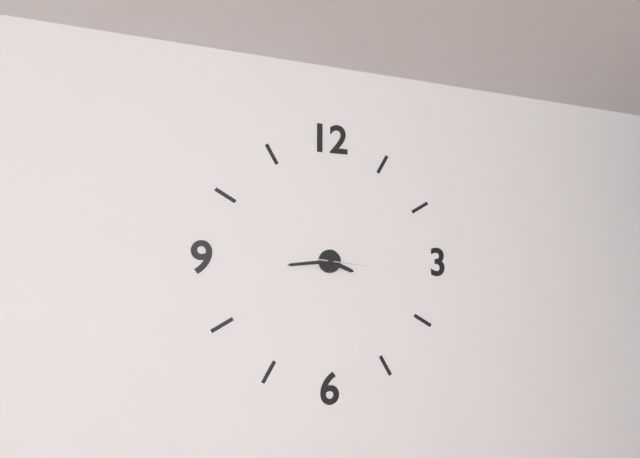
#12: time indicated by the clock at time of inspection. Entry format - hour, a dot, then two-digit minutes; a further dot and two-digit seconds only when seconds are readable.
3.44
